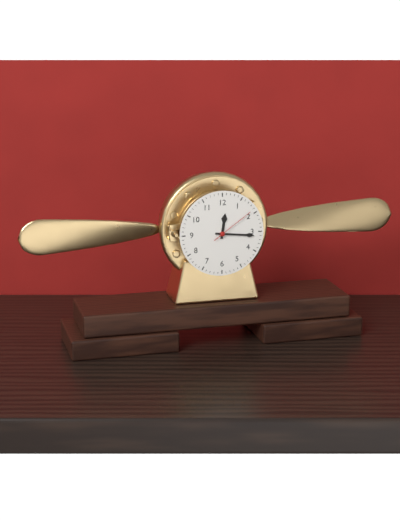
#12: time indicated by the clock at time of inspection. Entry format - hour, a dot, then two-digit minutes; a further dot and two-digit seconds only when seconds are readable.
12.16
